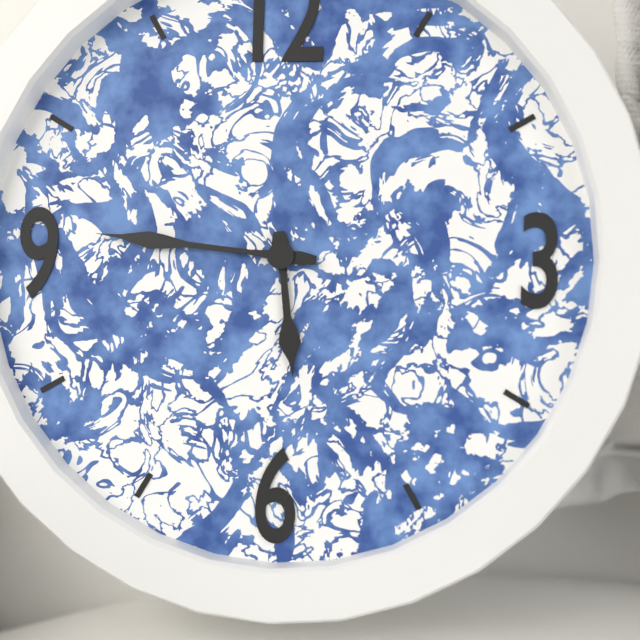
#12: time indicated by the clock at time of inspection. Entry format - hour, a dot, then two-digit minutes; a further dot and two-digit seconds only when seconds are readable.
5.46
